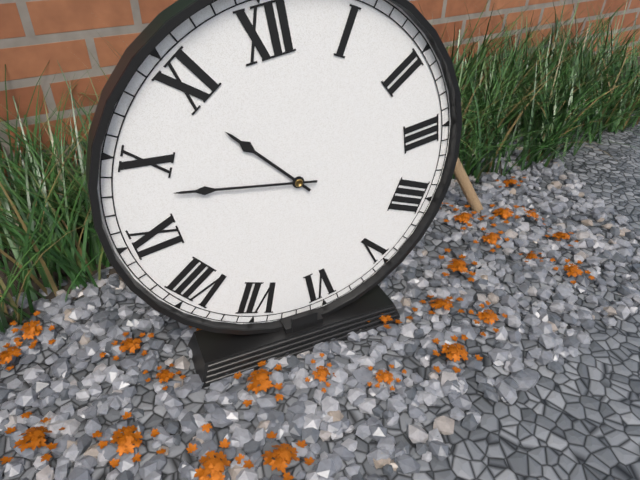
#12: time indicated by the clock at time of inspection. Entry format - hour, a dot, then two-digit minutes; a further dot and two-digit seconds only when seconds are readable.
10.48
